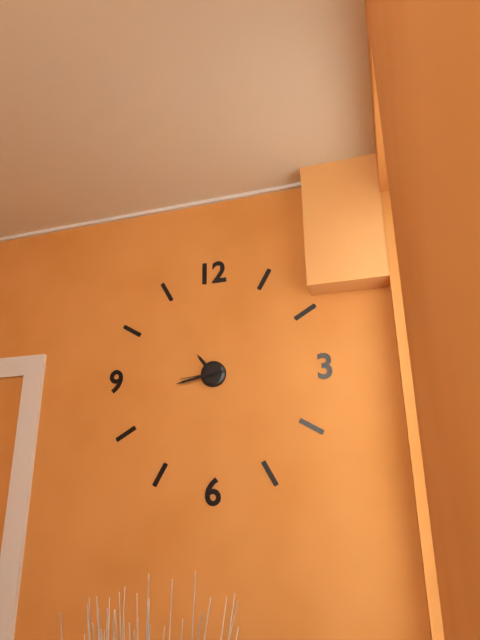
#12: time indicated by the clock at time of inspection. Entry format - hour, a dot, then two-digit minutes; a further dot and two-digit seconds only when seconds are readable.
10.43
